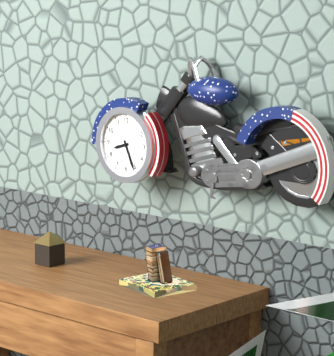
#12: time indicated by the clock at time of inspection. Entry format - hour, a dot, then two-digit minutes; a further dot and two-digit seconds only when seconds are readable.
8.26
